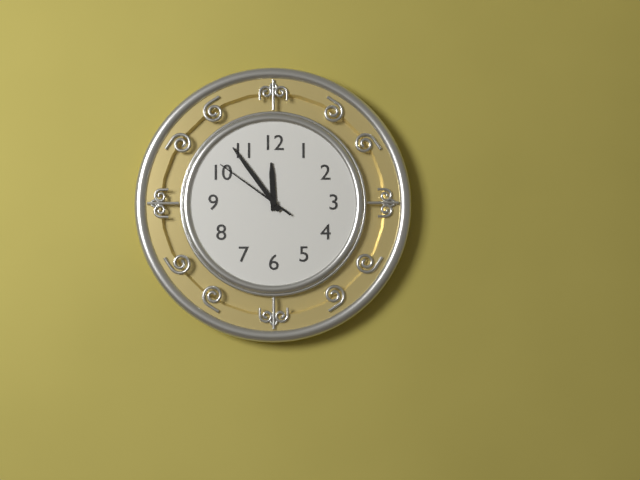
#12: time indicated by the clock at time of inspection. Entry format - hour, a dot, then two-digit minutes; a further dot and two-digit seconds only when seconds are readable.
11.54.51
